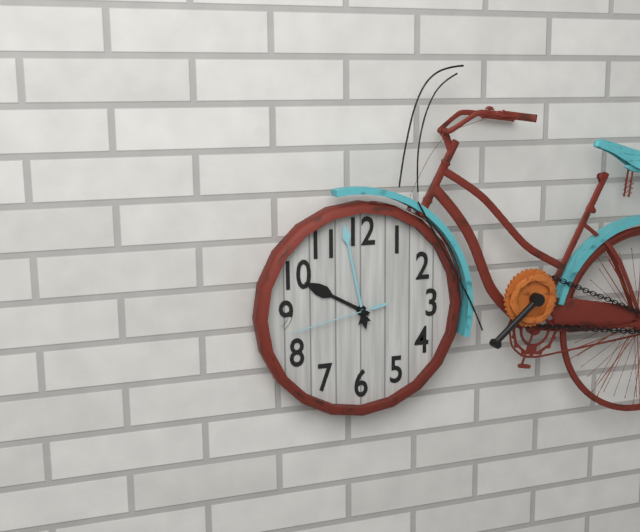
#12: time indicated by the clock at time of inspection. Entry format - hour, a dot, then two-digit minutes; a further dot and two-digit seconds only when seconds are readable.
9.58.43
